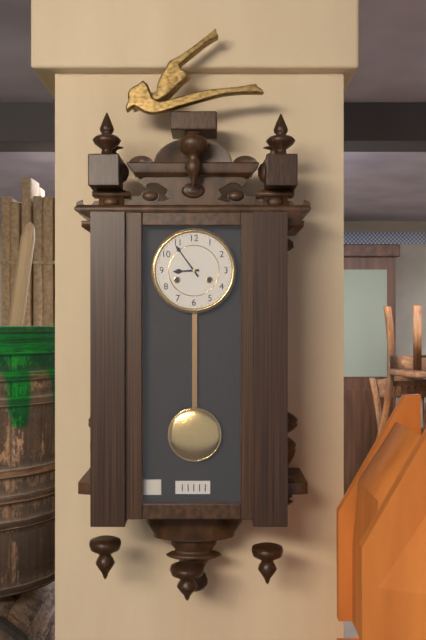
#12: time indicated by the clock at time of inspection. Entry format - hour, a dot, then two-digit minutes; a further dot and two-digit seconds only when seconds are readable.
8.54
